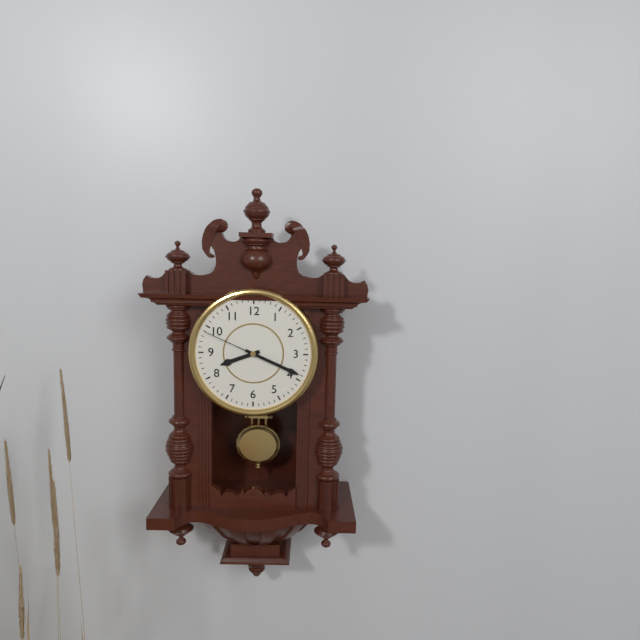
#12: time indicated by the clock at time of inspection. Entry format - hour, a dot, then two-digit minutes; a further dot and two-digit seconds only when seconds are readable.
8.19.49
